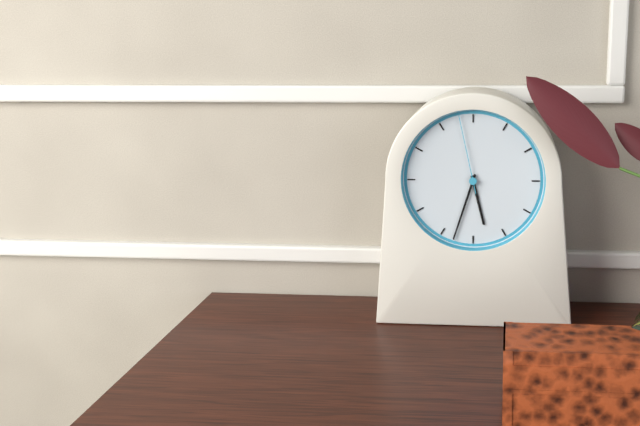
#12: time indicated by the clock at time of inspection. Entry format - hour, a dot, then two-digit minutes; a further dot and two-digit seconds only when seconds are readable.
5.33.58
